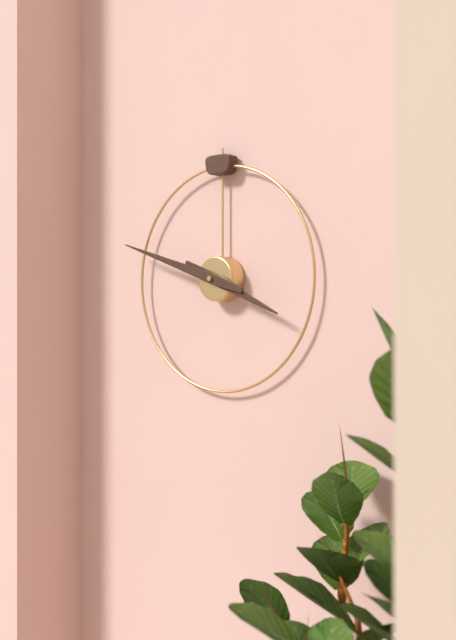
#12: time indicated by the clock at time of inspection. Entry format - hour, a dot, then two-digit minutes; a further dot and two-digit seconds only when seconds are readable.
3.48
